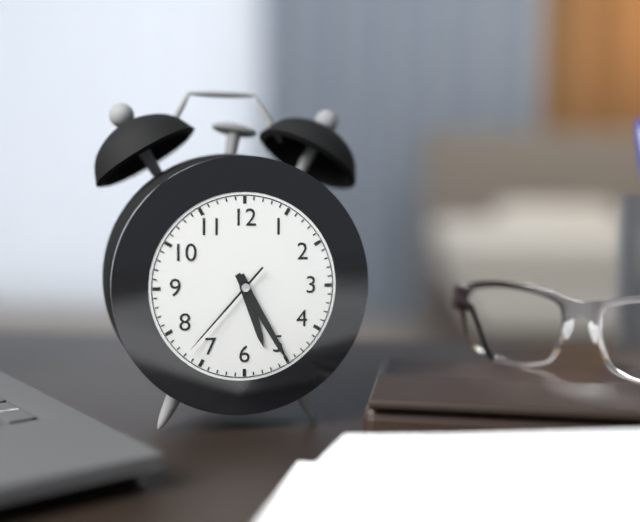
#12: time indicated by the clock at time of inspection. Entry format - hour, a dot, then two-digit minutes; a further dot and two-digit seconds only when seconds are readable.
5.25.37
